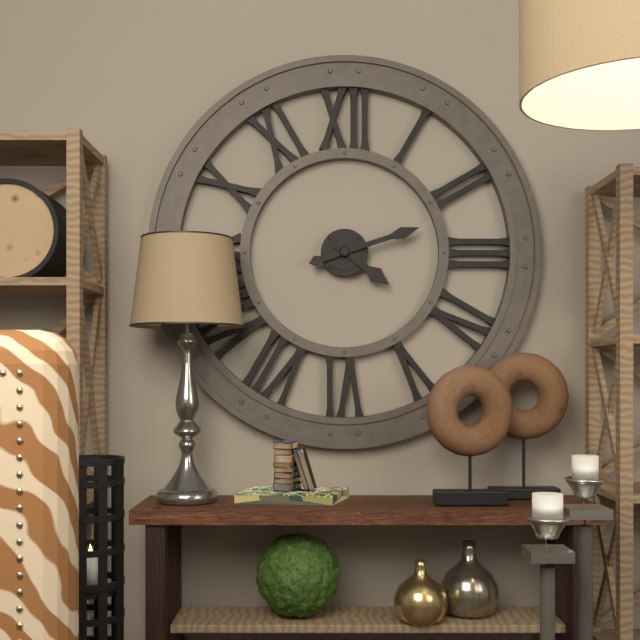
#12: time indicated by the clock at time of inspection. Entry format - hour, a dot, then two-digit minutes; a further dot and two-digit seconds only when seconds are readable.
4.12
